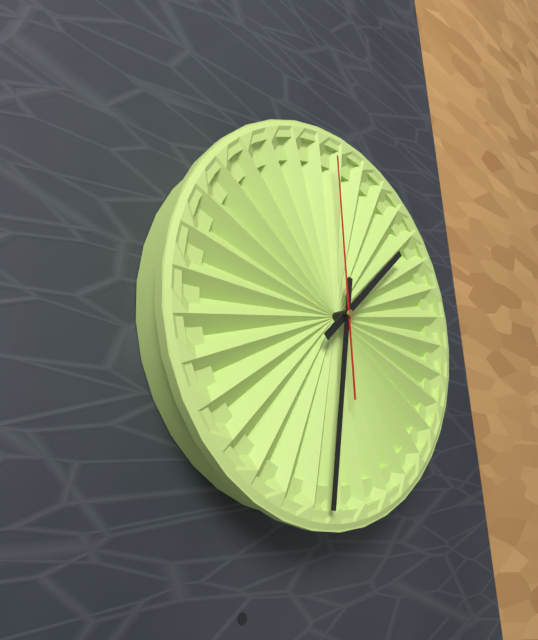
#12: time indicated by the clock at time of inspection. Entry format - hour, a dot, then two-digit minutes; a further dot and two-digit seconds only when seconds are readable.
1.31.59
